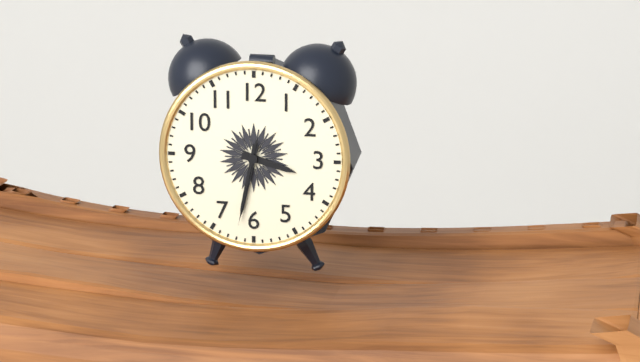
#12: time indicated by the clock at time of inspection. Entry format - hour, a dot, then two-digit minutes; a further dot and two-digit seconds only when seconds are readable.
3.32.32
